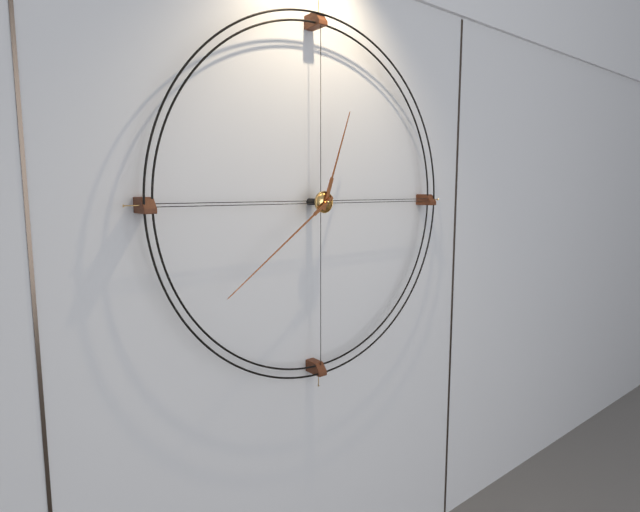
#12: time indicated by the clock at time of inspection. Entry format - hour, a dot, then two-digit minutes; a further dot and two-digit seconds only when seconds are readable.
12.39
